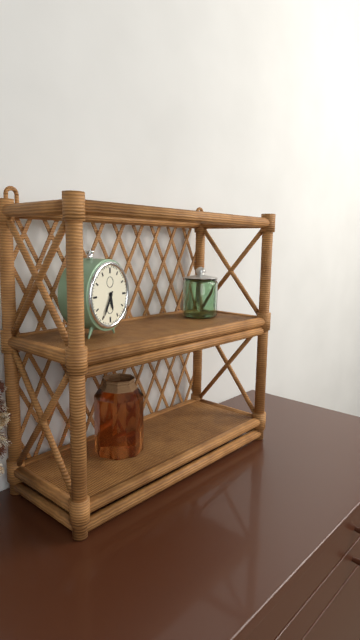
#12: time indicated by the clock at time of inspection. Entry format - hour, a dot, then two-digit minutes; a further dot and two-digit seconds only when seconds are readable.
5.35
